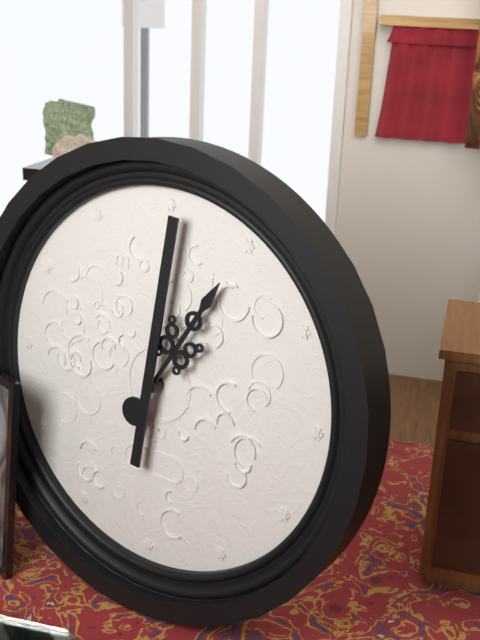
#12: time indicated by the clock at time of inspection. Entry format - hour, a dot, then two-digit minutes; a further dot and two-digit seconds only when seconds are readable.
1.01
